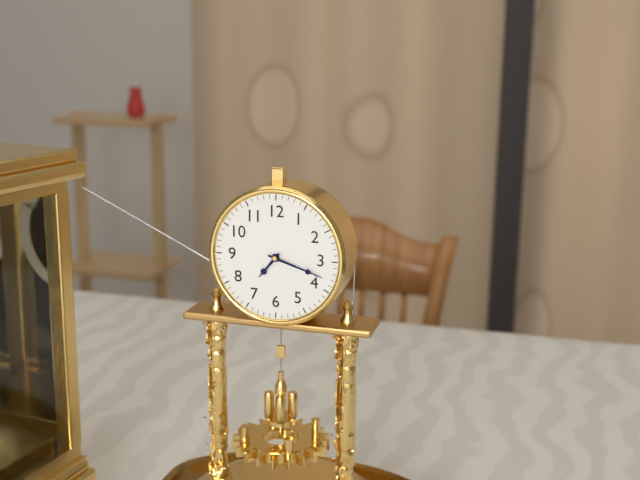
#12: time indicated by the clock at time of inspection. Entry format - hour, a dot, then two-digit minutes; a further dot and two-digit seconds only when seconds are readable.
7.18
